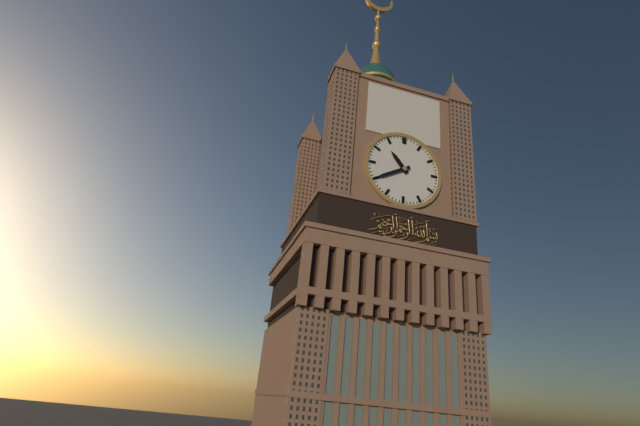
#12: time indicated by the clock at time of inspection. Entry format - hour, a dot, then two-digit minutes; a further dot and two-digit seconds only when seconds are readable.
10.40
